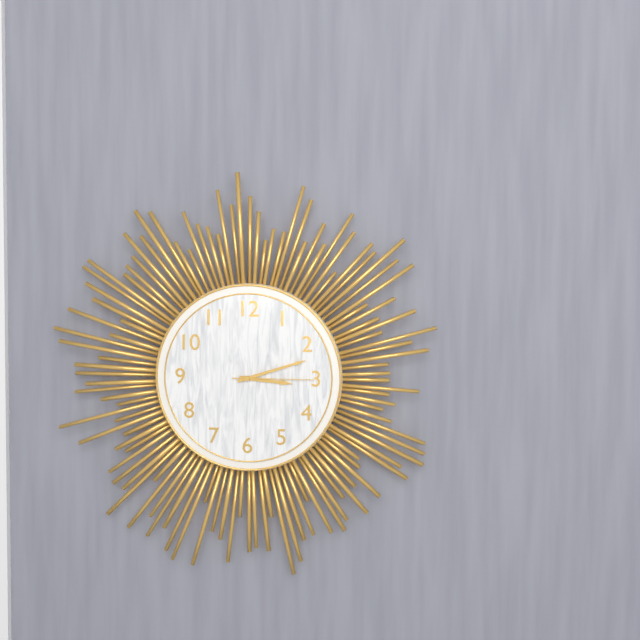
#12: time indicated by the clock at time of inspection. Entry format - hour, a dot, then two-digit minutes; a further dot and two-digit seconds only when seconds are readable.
3.12.15
